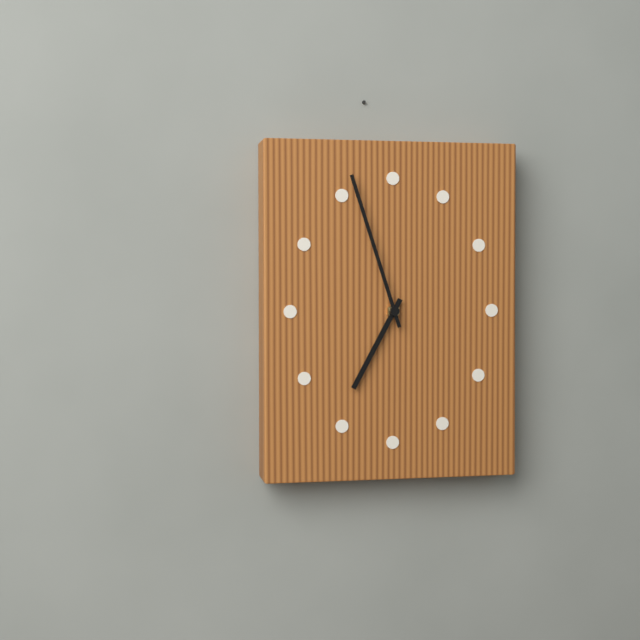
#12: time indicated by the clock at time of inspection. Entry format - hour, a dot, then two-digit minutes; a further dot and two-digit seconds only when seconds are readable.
6.57
